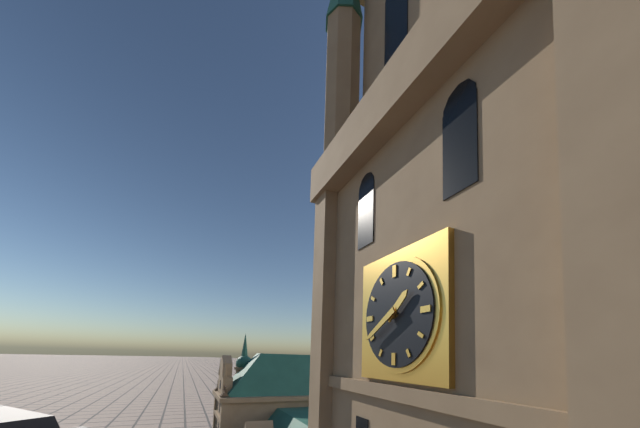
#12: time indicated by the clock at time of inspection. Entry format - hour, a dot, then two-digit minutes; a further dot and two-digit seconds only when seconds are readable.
1.40
